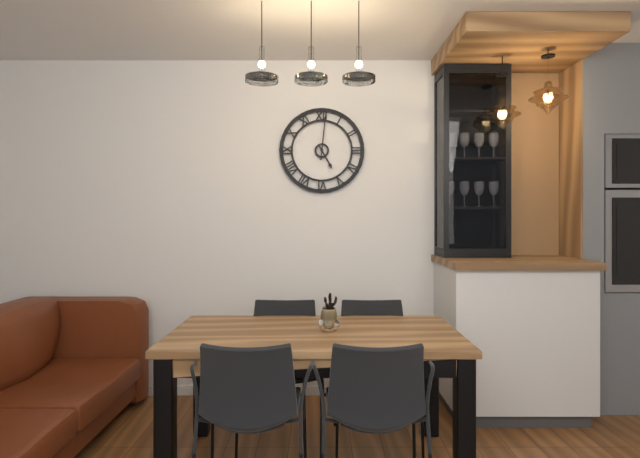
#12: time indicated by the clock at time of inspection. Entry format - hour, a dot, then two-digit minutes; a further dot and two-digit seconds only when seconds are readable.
5.01
